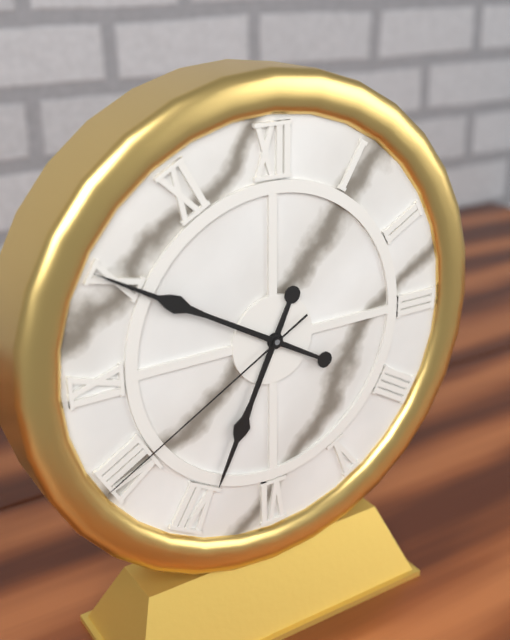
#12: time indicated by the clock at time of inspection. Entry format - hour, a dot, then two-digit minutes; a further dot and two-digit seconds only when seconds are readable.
6.50.40
